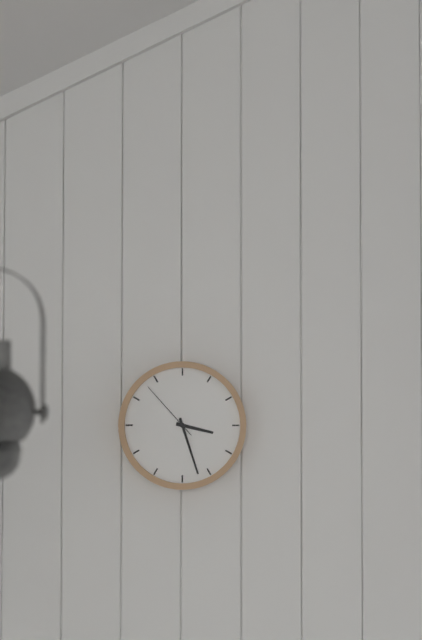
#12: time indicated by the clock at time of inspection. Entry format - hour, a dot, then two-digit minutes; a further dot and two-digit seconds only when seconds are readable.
3.27.53
